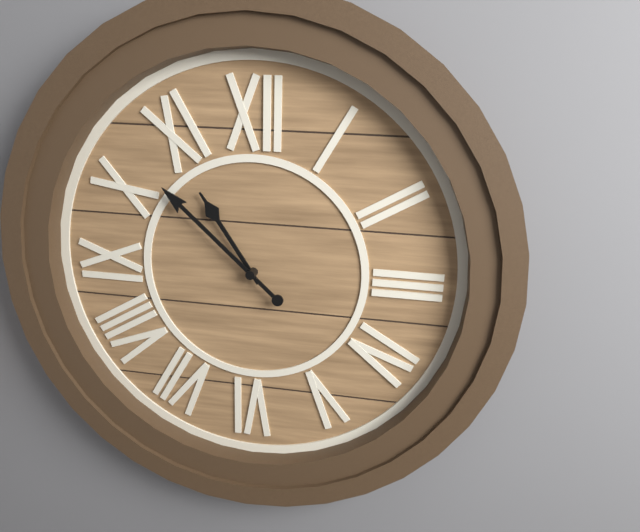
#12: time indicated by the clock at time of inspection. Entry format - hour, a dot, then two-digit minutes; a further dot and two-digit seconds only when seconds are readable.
10.52
